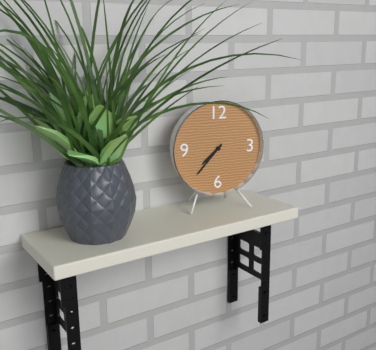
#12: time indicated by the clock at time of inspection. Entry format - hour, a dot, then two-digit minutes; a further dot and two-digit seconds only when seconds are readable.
7.37
